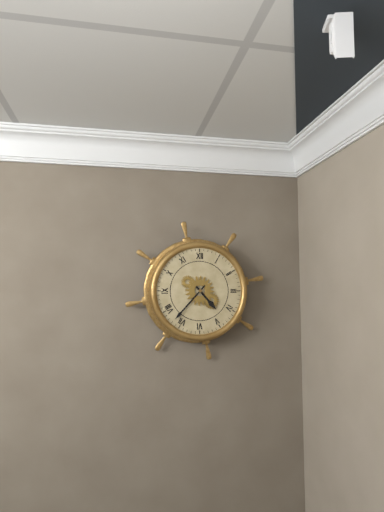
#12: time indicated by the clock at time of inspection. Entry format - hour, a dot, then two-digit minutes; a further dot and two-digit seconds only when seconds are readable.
4.37
